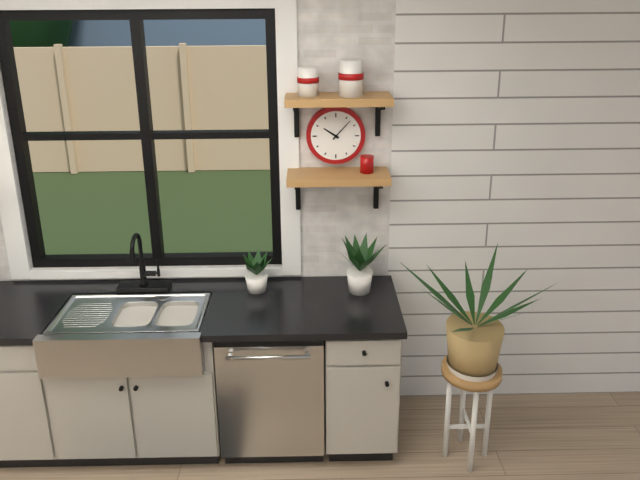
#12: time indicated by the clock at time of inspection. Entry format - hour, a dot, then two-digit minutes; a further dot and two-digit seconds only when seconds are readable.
10.07
